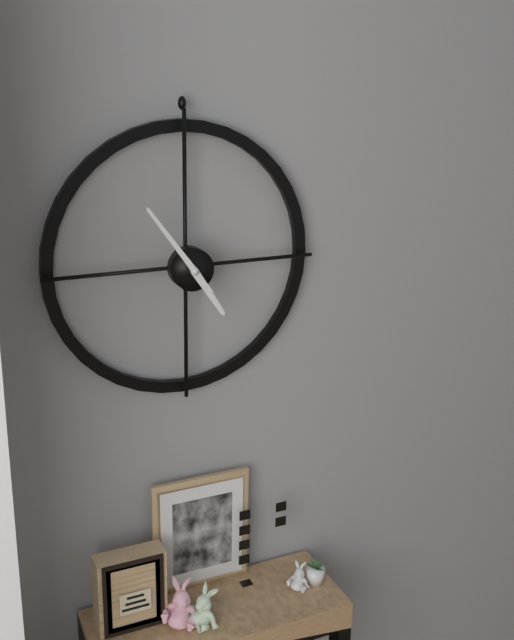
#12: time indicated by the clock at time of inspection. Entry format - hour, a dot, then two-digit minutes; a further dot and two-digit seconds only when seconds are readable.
4.54
